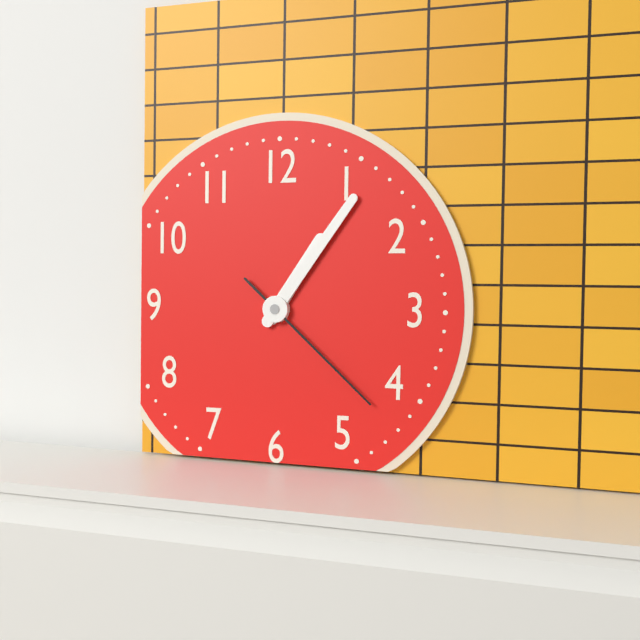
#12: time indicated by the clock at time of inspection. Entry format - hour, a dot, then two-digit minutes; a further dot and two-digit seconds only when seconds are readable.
1.06.22
